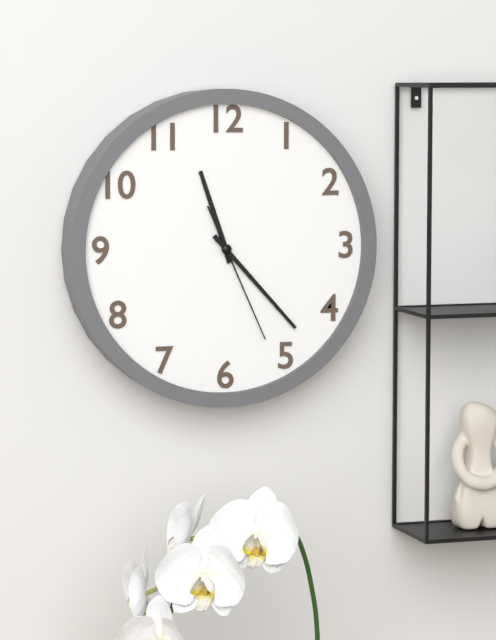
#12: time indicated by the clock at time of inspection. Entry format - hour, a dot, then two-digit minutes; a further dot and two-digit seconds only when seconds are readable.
11.23.26
